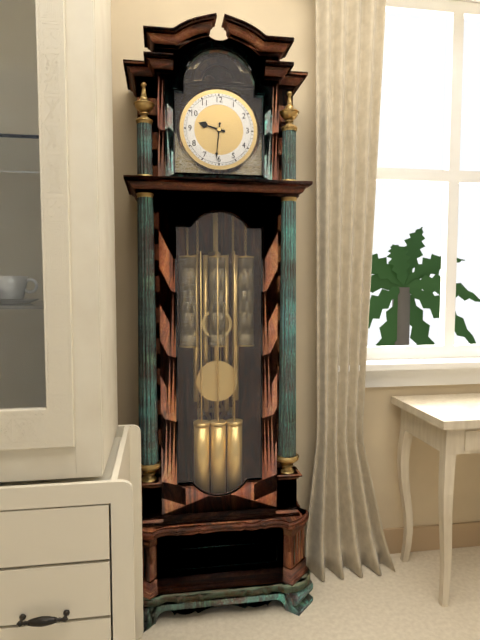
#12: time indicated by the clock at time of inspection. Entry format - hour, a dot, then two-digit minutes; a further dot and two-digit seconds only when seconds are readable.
9.31
